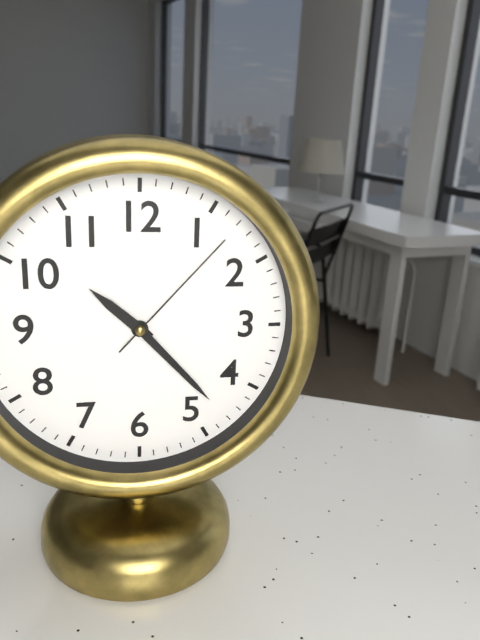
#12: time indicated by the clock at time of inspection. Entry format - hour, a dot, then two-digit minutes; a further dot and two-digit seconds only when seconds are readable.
10.23.07
